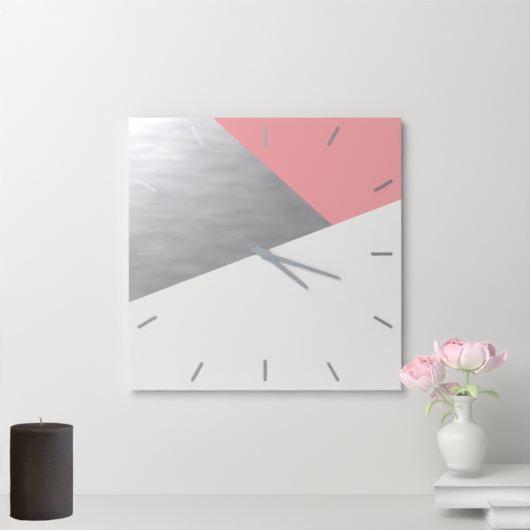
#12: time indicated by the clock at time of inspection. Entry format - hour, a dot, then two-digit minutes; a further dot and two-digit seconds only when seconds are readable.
4.18
